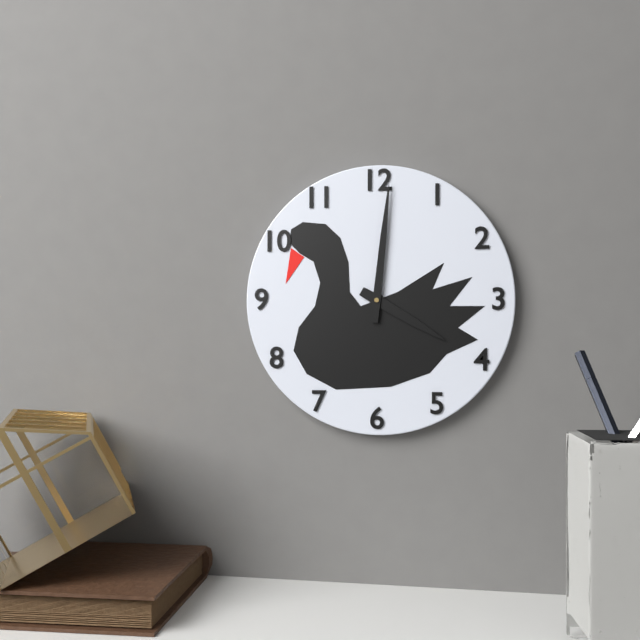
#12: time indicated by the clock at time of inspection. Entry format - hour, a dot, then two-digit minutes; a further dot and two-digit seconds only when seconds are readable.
4.01
